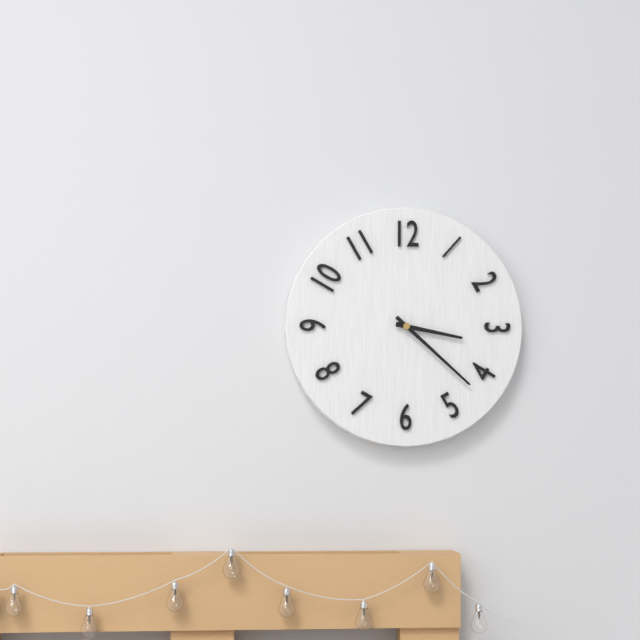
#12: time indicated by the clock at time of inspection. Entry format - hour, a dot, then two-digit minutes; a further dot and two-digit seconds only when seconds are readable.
3.22
